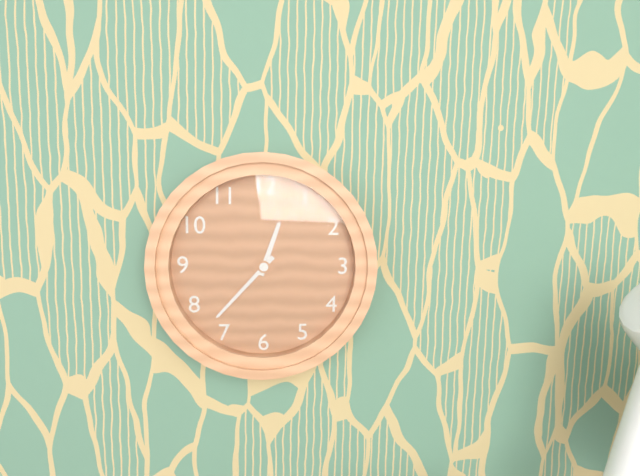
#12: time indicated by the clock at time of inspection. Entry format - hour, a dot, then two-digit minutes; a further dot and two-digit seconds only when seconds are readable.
12.37
